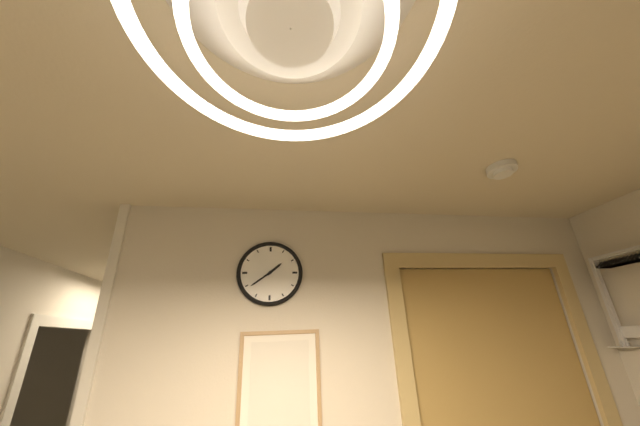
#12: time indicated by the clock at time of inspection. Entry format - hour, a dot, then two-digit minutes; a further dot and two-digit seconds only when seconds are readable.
1.39
